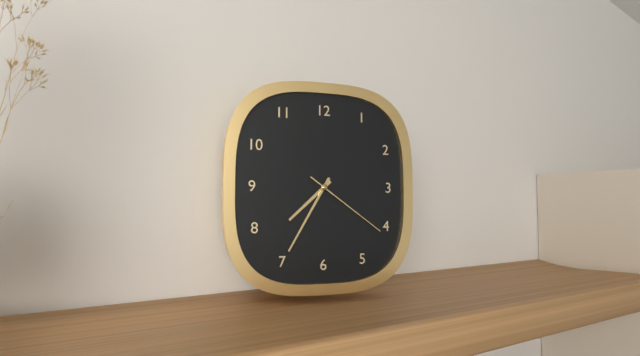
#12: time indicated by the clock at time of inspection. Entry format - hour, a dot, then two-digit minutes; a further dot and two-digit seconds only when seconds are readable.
7.35.21
